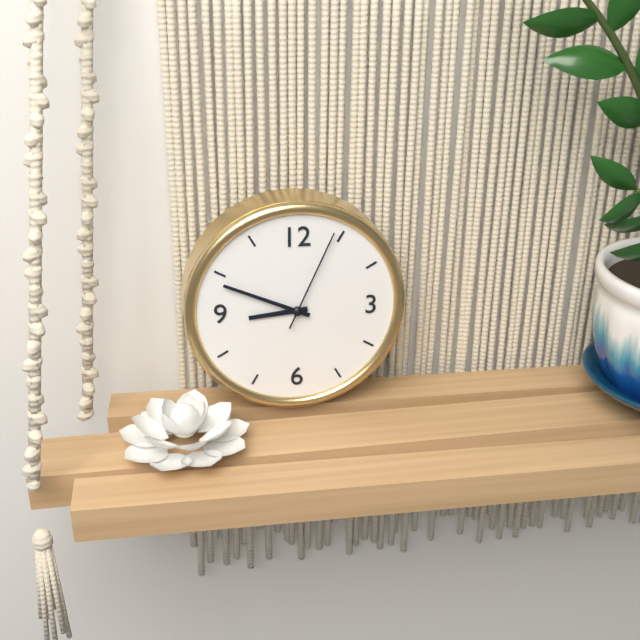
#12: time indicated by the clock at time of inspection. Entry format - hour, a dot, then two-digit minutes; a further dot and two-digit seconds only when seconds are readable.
8.49.04
